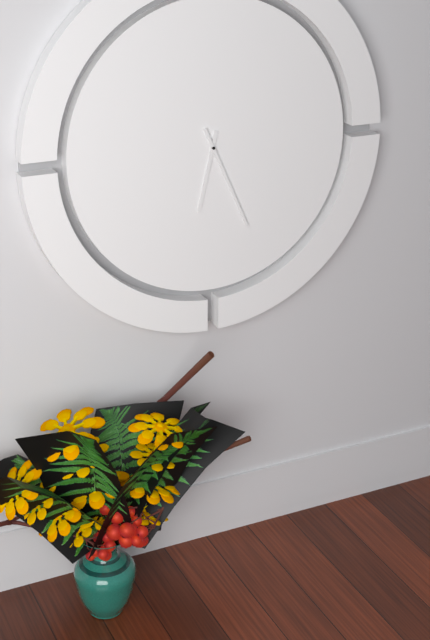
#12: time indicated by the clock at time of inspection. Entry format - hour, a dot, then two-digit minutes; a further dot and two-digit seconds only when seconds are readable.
6.26
